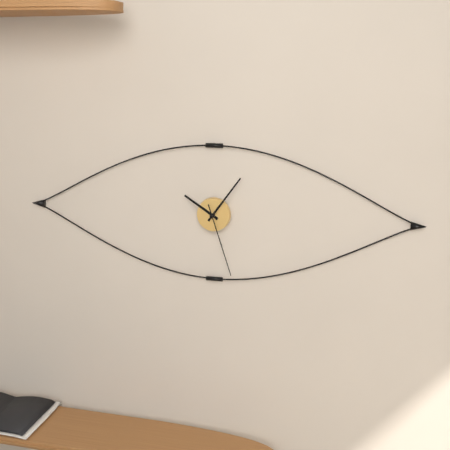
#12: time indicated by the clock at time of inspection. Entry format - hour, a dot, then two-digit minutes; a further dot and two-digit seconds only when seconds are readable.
10.06.27
